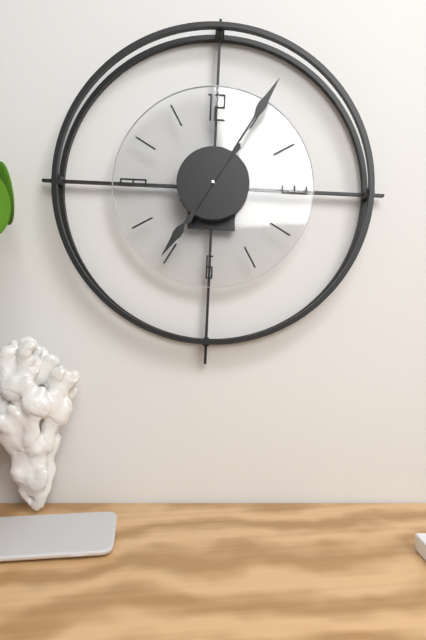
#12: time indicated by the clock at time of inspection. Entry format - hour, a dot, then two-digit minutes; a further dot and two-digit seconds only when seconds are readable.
7.05
